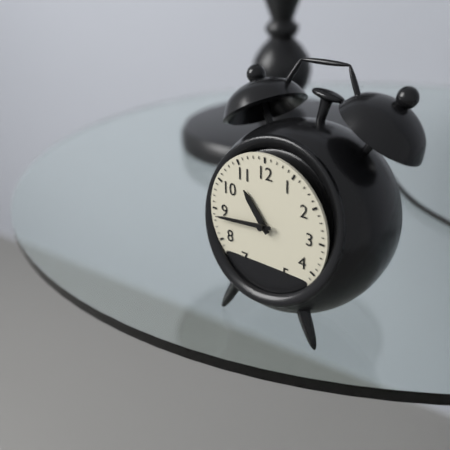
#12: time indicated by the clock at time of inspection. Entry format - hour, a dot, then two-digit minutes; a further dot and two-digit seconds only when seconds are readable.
10.44
